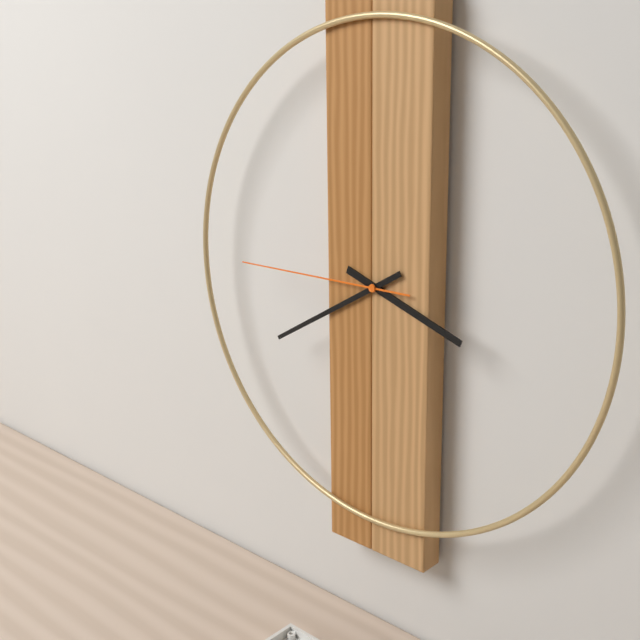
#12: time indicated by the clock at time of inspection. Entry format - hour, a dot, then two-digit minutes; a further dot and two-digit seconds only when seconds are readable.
3.40.45
